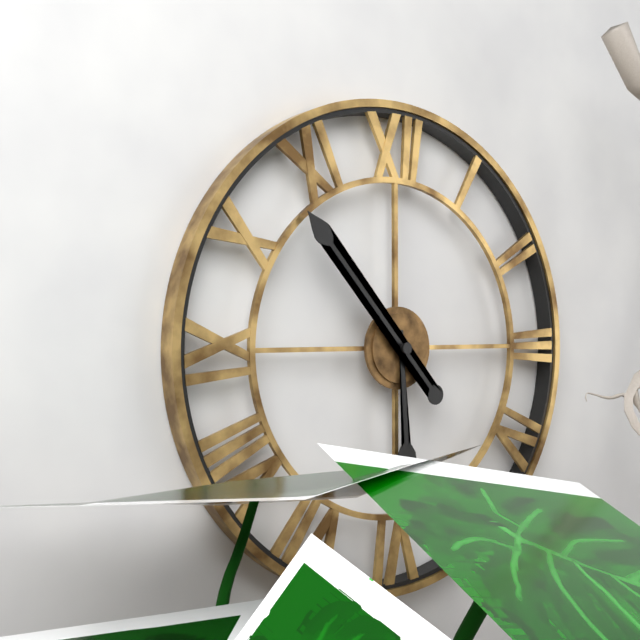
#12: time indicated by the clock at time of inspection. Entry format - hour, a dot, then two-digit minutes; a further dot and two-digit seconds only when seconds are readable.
5.53
